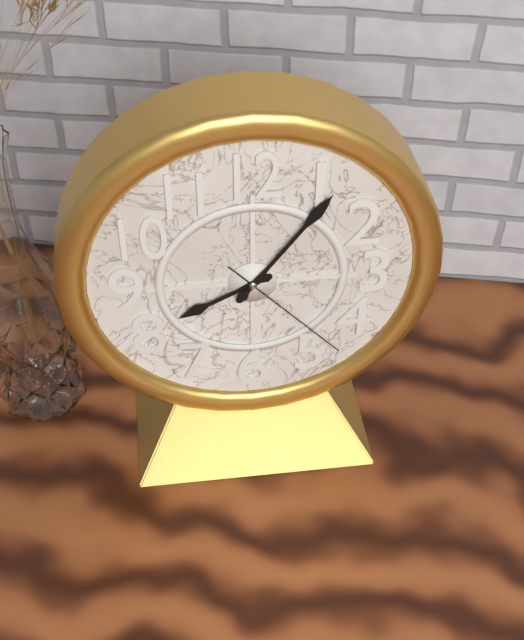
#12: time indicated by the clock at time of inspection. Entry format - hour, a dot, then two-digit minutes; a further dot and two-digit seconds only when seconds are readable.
8.06.23
